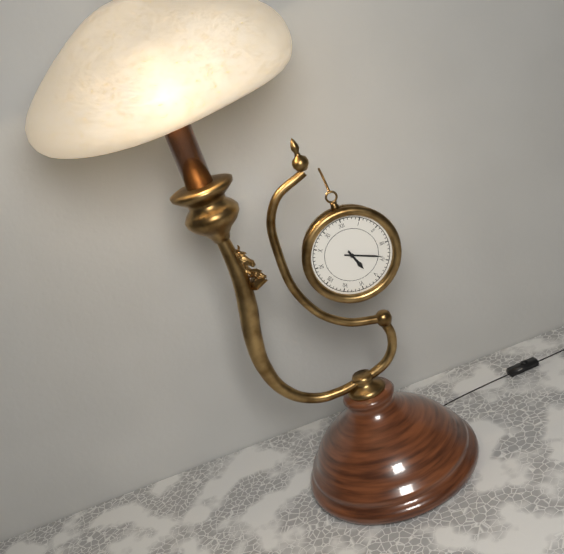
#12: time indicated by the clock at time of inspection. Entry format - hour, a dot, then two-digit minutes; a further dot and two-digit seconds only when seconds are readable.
5.19
